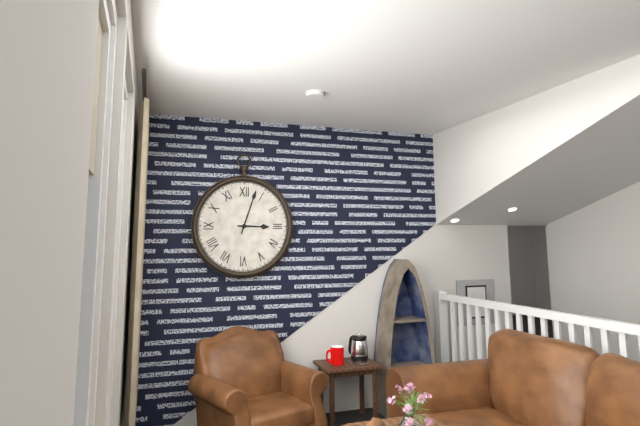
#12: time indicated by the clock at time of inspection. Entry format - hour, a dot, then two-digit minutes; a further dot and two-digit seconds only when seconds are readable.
3.03
